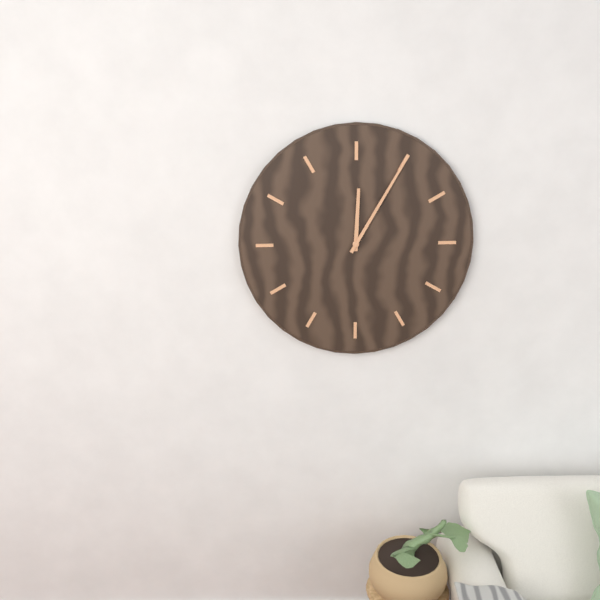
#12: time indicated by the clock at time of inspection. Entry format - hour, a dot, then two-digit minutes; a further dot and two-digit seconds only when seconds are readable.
12.05
